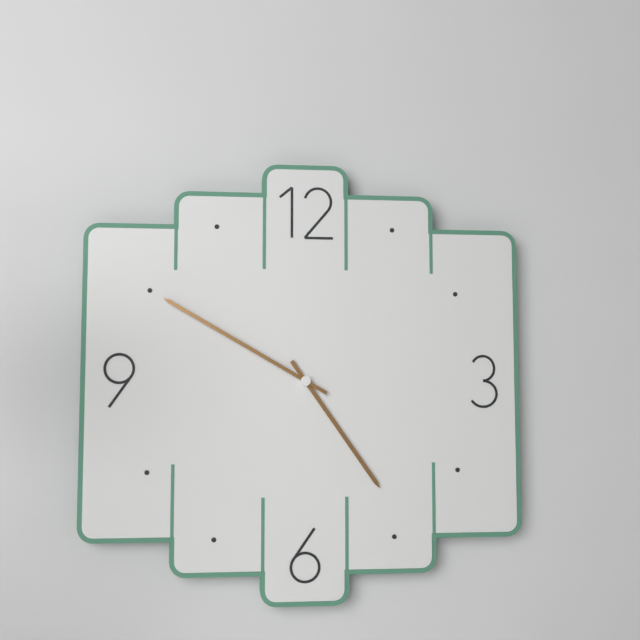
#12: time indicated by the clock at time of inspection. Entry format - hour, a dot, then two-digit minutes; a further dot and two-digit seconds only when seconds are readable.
4.50
